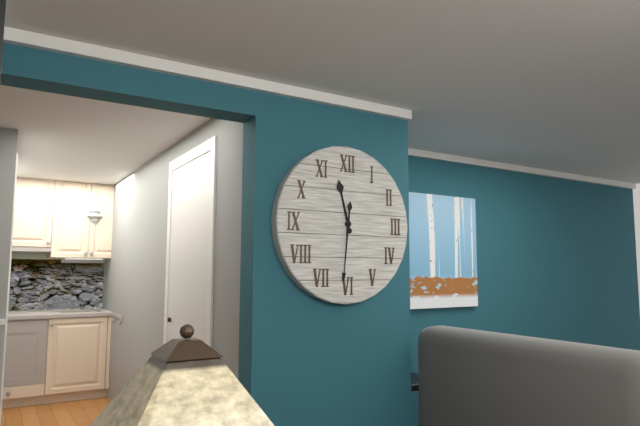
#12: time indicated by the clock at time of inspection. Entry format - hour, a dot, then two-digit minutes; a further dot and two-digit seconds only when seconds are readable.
11.31
